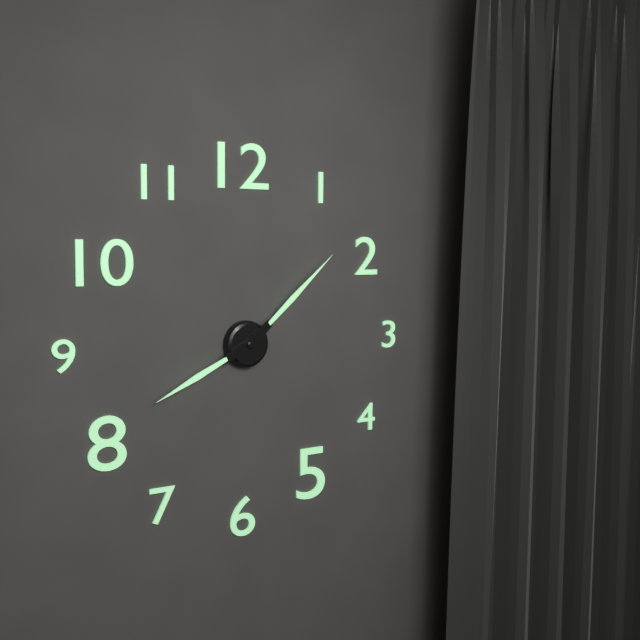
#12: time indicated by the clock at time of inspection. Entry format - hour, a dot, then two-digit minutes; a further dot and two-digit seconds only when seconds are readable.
8.08
